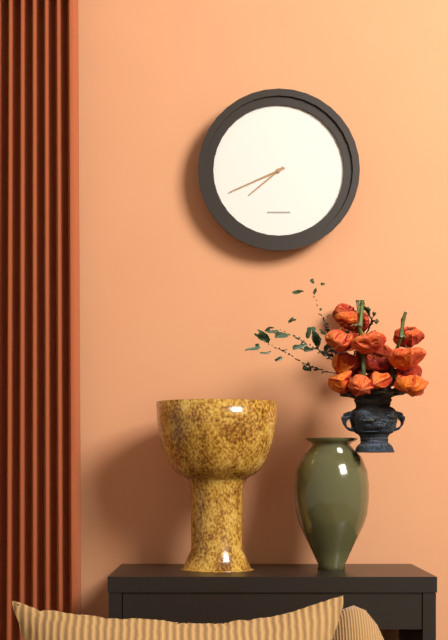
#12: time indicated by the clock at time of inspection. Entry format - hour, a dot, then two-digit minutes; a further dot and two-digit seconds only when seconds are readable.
7.41
